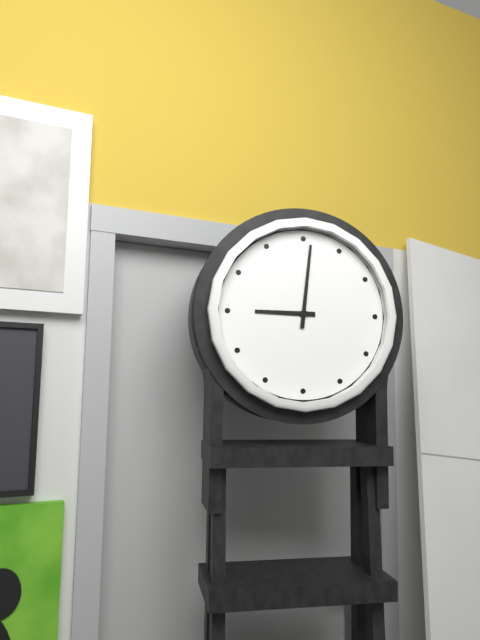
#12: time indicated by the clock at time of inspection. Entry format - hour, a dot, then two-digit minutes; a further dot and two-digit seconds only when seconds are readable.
9.01
